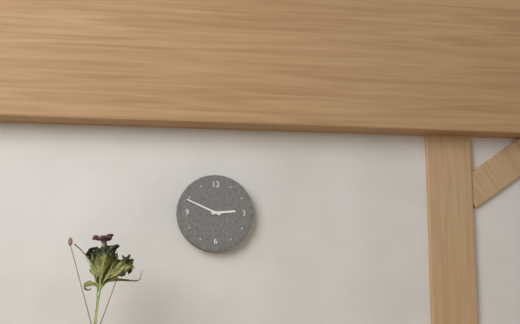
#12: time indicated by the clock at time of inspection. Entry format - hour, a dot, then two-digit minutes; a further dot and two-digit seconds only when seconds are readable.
2.49
